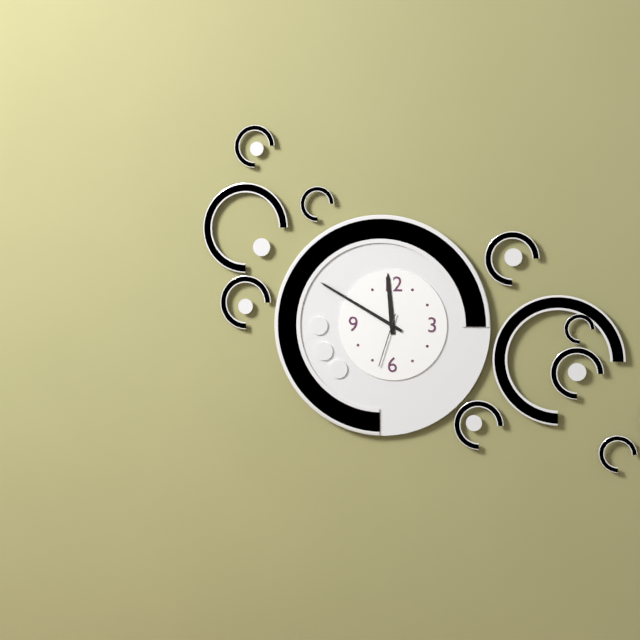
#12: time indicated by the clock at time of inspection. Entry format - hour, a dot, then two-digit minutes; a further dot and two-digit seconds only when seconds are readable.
11.50.33
